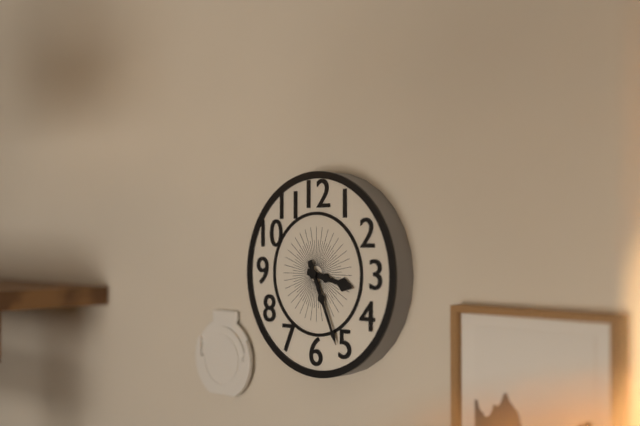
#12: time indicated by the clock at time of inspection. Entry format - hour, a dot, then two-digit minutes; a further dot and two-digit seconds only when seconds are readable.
3.26
